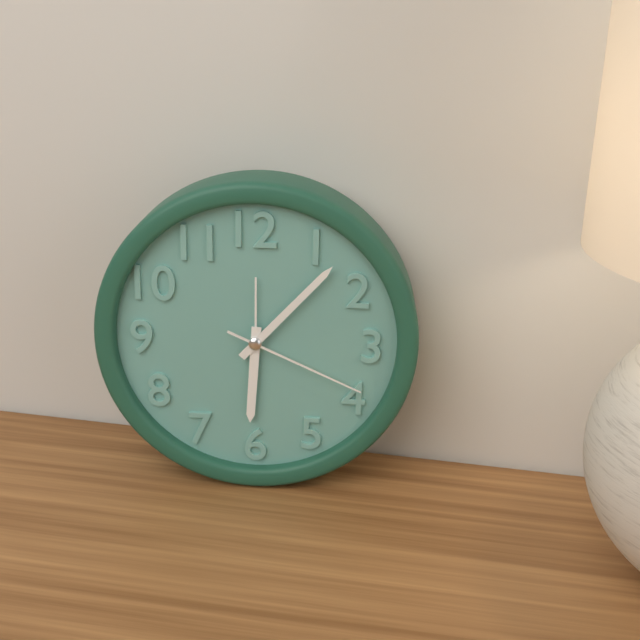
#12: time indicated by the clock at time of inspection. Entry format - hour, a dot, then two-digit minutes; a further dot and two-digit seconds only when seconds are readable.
6.07.19
